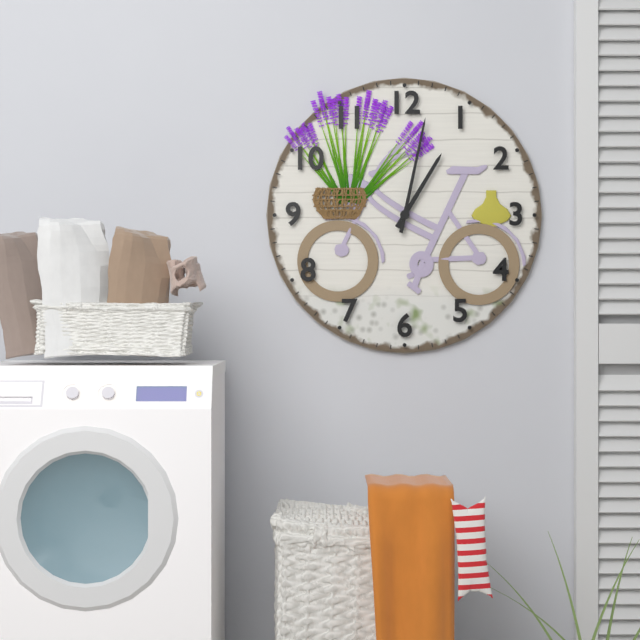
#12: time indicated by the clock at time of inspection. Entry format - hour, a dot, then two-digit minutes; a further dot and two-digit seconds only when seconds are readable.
1.02
